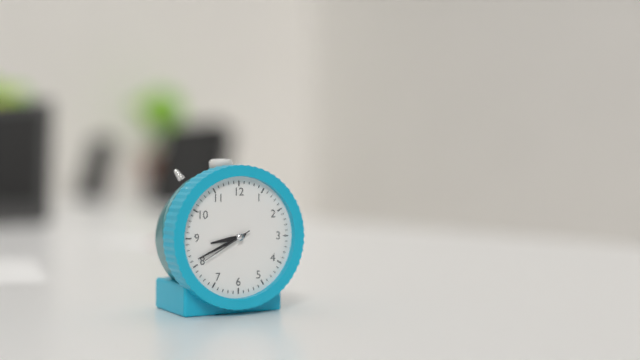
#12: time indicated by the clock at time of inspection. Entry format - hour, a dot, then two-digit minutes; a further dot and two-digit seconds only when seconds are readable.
8.41.40
